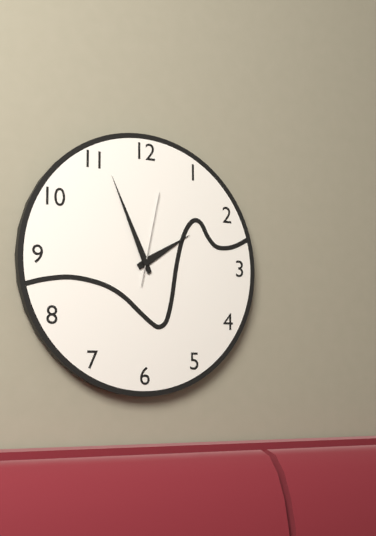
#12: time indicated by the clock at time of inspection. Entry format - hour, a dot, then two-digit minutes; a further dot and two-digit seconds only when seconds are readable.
1.56.02
